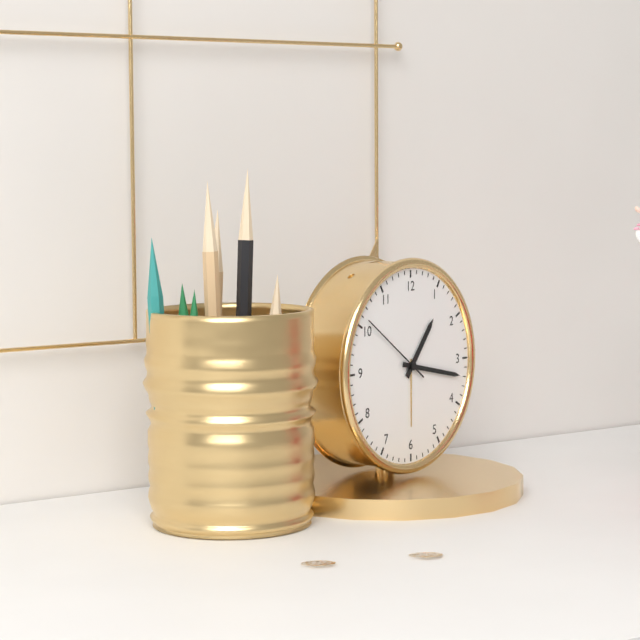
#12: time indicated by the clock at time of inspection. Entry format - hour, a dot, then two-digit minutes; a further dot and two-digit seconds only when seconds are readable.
1.17.51
